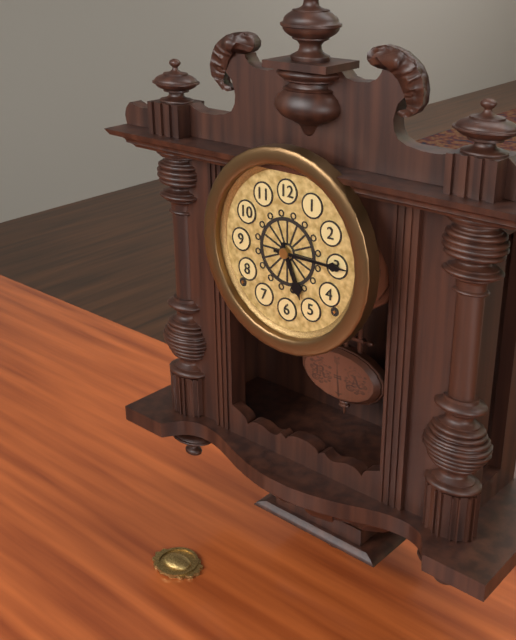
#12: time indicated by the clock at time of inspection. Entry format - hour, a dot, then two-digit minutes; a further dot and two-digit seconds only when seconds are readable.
5.15
